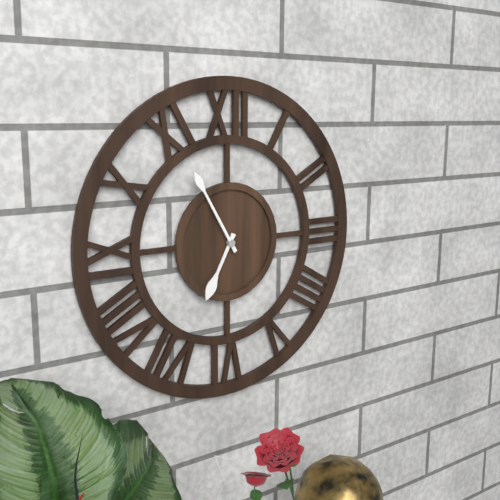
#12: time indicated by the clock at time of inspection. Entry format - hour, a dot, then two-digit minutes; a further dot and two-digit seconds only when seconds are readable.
6.55
